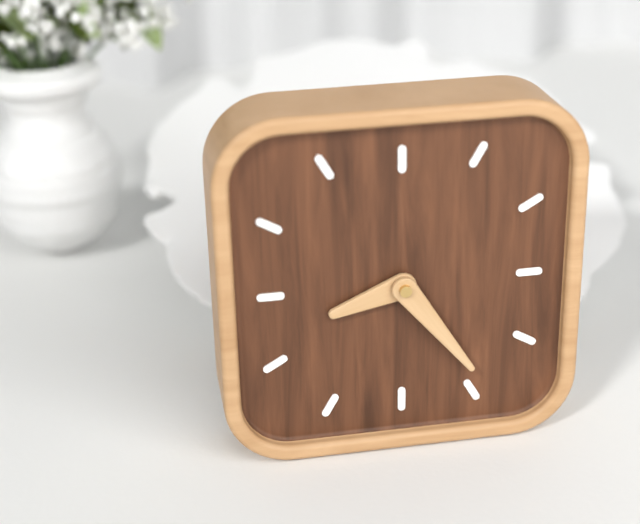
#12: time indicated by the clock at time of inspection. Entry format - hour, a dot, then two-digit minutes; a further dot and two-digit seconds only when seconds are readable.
8.24
